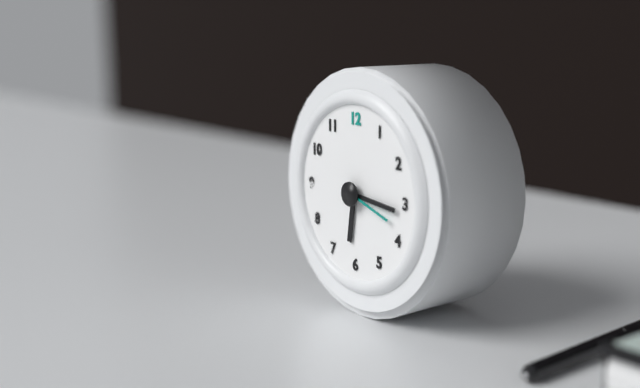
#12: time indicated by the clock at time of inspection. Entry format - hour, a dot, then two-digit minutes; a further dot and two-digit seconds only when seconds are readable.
6.16
